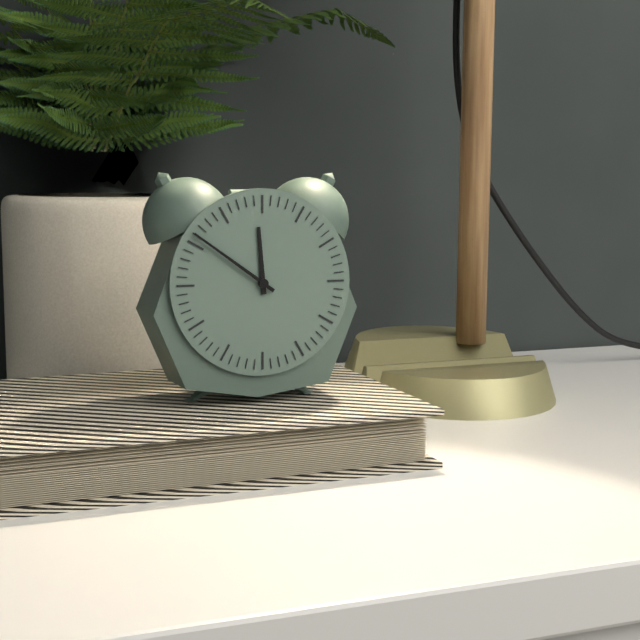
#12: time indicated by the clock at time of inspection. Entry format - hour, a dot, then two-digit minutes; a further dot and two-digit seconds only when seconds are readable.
11.51
